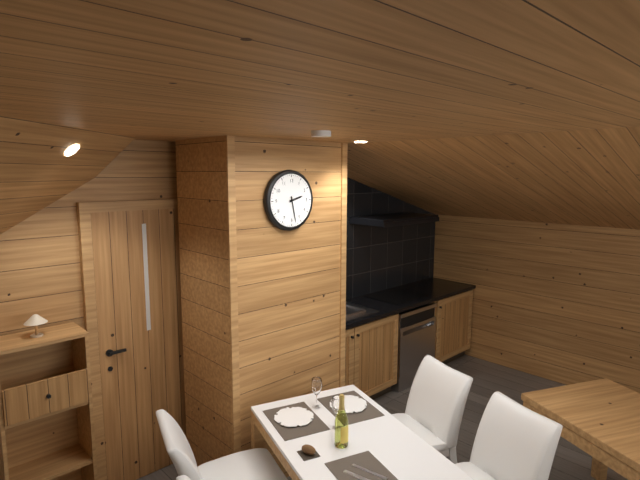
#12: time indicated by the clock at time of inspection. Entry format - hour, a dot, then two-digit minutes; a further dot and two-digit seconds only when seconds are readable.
2.28
